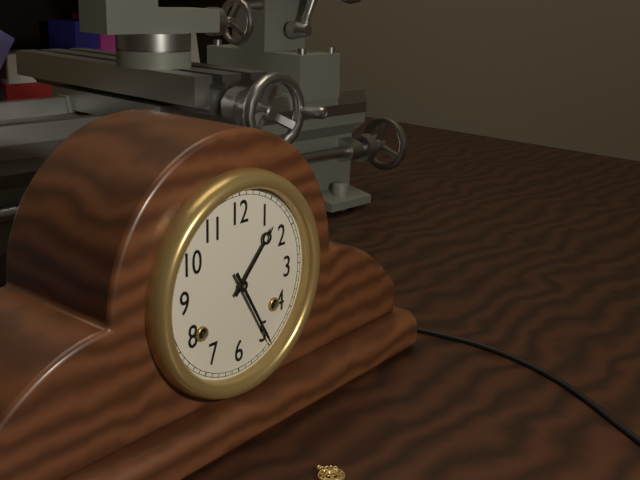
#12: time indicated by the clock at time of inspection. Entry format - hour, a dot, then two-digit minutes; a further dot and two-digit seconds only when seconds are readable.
1.25
